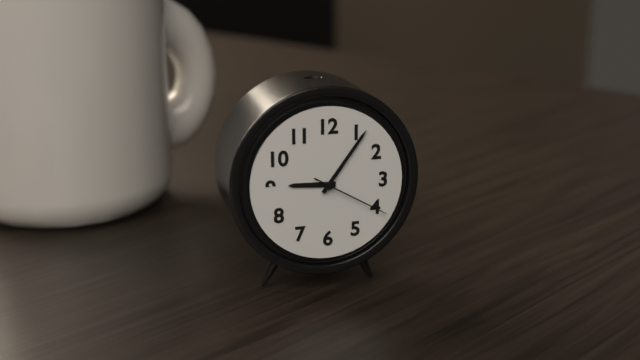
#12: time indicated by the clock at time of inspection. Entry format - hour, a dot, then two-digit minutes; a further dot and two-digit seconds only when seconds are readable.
9.06.20
